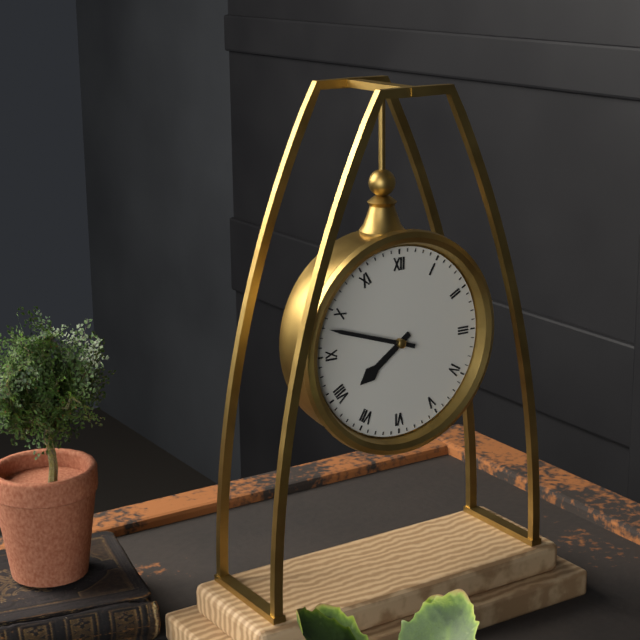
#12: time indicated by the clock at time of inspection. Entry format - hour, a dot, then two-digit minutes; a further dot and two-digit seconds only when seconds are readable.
7.48
